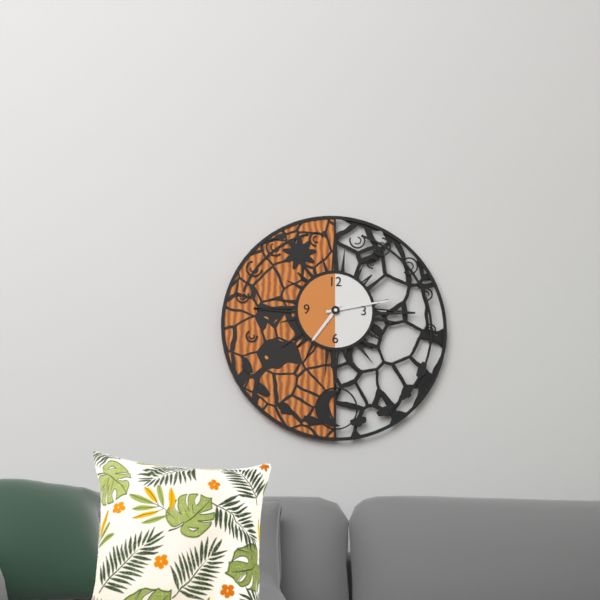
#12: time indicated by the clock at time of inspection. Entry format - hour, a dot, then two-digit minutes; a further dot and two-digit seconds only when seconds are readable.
7.13
